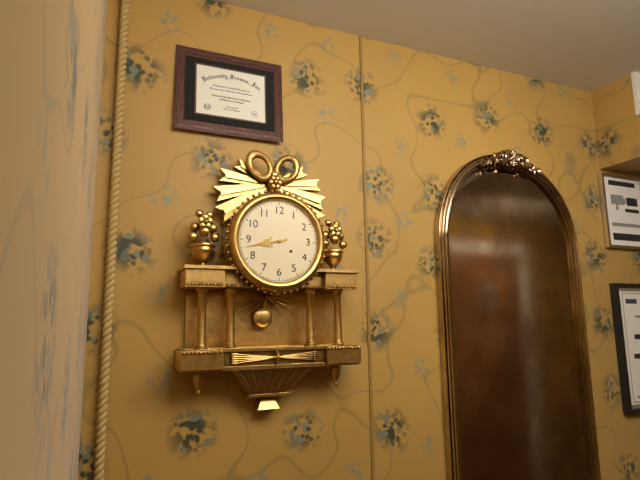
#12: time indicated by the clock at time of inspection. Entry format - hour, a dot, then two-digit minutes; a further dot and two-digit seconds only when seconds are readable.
8.43
